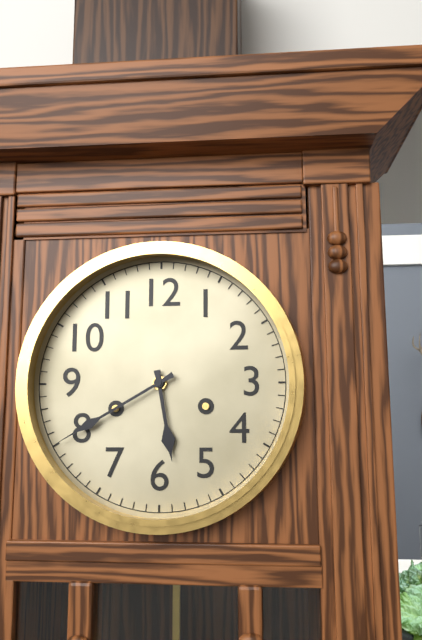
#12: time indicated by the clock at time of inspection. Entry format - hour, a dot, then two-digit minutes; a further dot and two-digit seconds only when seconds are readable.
5.40
